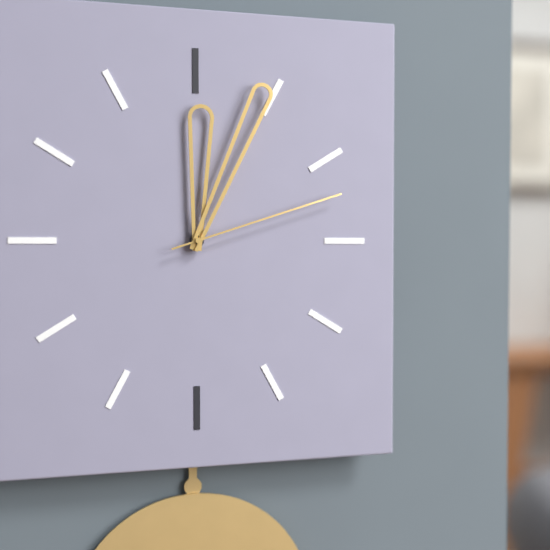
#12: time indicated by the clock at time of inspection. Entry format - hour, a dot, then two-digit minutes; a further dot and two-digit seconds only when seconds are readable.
12.04.12
